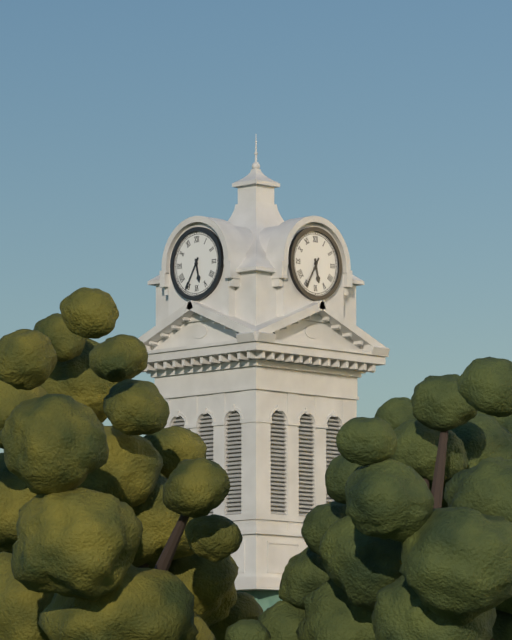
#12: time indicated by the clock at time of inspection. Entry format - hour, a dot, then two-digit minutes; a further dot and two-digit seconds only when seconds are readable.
5.35
